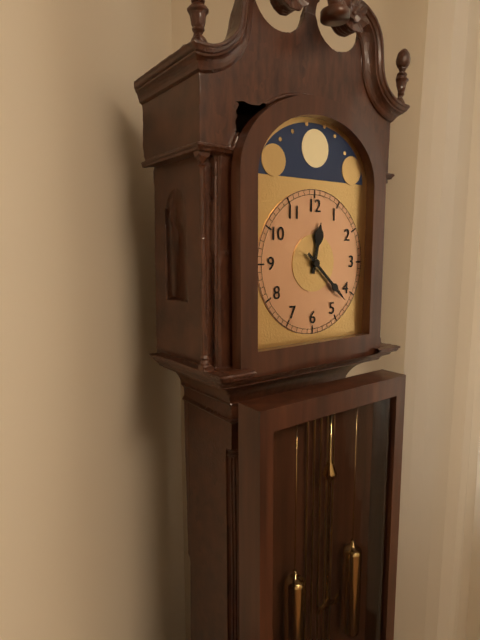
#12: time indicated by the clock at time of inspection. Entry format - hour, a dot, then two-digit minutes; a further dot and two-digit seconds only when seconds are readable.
12.22
